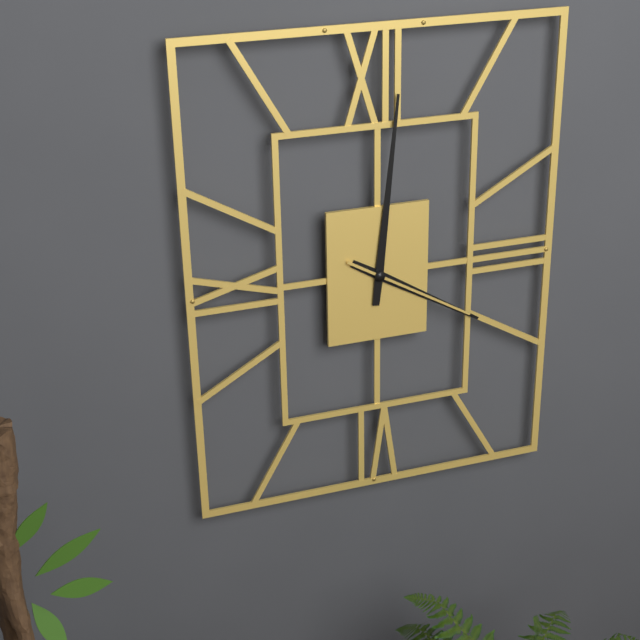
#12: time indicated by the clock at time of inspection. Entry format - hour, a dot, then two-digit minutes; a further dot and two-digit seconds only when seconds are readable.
4.01.20
